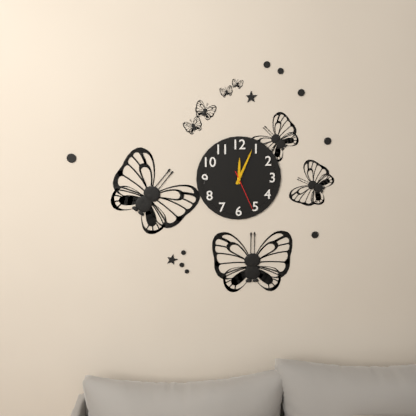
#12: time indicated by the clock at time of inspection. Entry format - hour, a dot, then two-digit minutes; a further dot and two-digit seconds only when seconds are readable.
12.04
